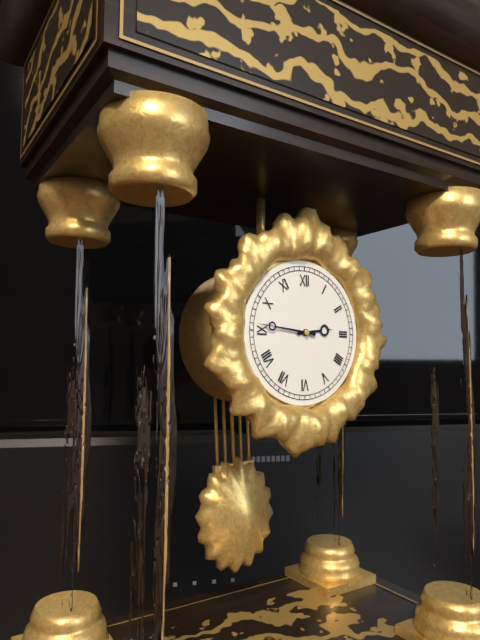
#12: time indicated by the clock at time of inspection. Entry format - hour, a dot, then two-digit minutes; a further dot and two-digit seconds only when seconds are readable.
2.46
